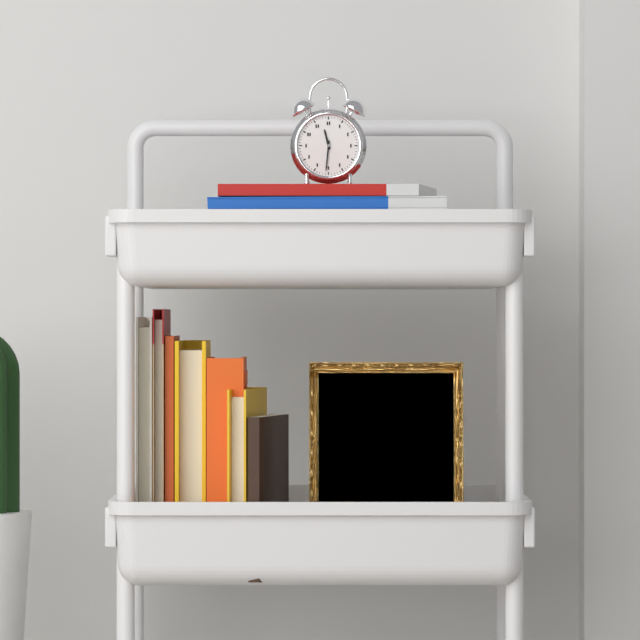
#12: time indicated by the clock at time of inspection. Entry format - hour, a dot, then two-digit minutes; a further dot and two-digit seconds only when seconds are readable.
11.31
